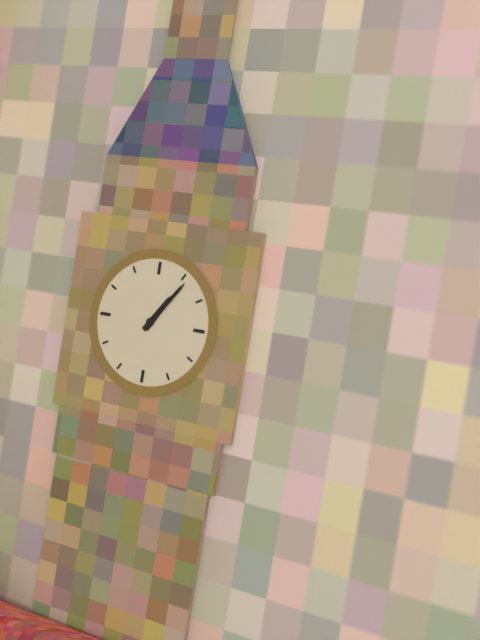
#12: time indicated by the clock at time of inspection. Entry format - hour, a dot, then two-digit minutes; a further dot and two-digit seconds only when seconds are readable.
1.06
